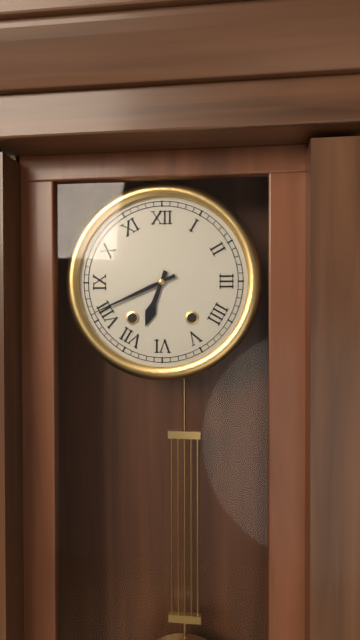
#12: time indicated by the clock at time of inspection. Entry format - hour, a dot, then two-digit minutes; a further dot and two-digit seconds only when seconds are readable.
6.41
